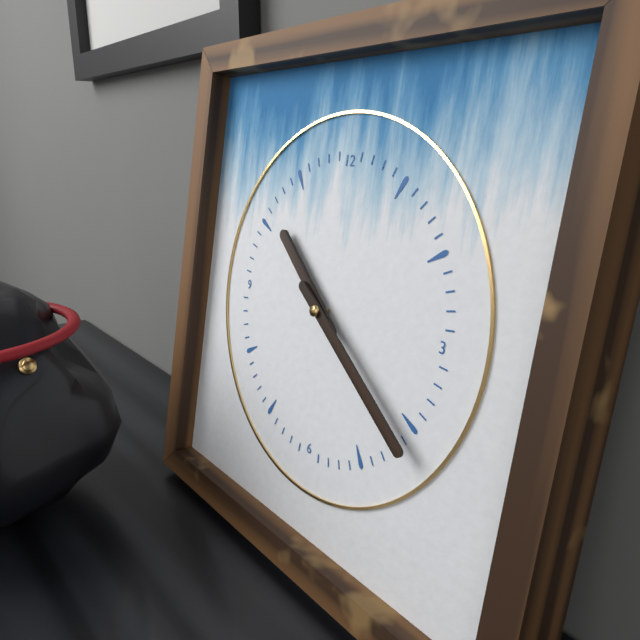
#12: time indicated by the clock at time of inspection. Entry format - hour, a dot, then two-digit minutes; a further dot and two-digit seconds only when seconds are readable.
10.21
